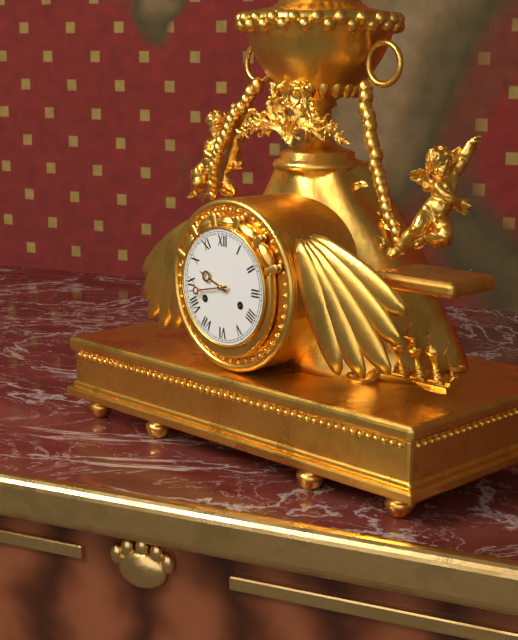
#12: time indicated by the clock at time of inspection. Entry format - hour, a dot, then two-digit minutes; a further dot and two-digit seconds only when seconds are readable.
9.43
